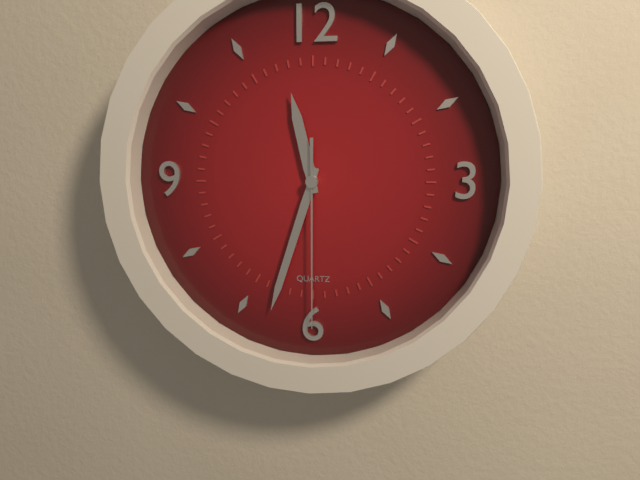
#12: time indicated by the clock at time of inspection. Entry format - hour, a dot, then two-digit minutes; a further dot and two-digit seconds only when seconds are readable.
11.33.30
